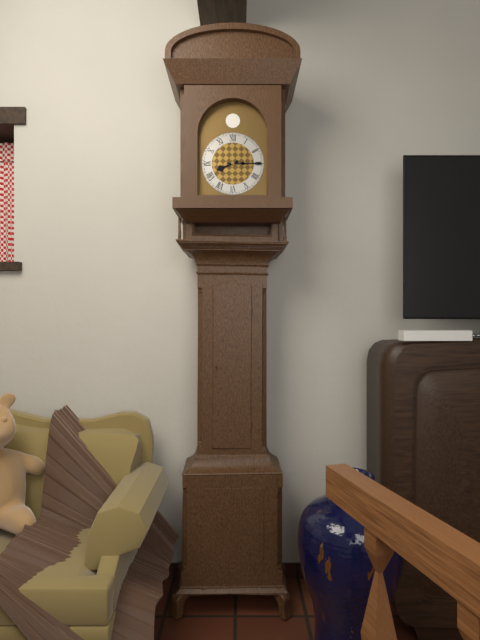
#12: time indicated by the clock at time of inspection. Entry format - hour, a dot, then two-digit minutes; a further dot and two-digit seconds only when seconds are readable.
8.15
